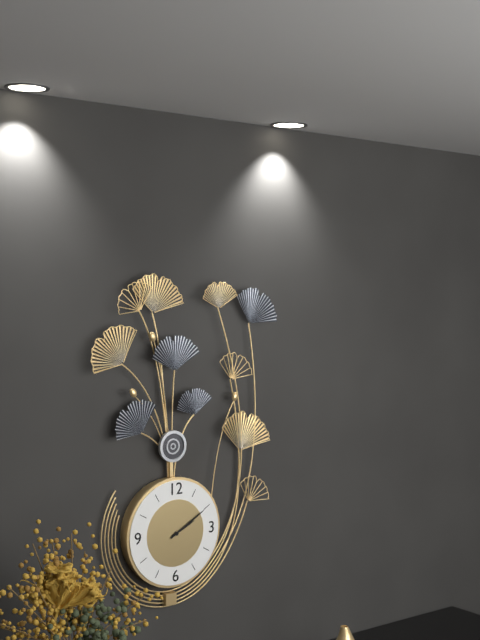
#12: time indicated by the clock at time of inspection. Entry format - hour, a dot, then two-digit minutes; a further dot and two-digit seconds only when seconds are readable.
2.10
